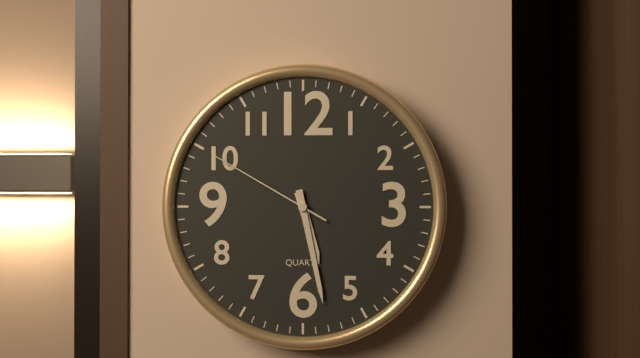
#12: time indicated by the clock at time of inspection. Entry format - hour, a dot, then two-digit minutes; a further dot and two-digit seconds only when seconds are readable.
5.28.50
